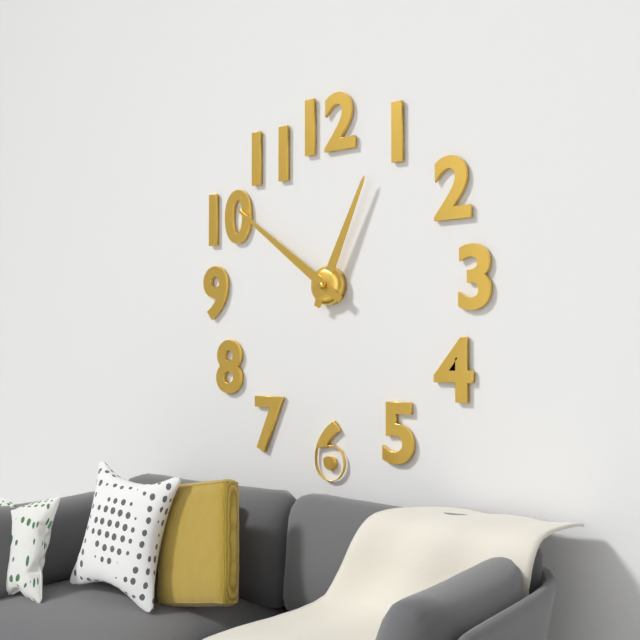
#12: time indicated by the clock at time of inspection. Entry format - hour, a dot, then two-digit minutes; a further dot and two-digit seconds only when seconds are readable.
12.51
